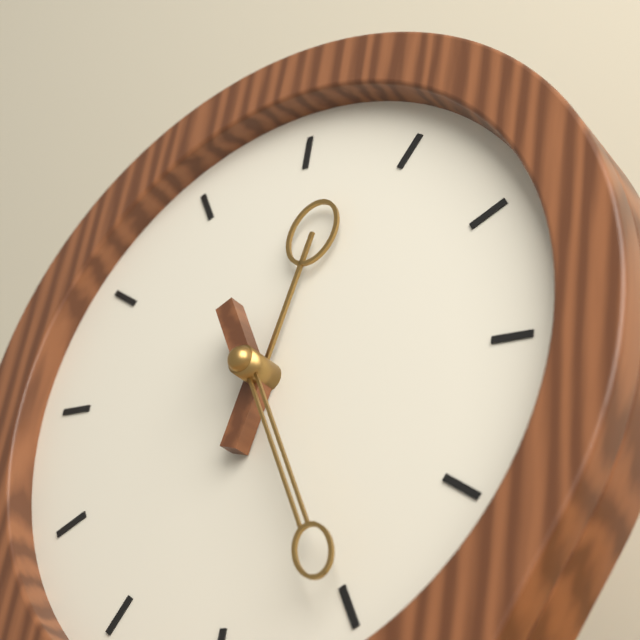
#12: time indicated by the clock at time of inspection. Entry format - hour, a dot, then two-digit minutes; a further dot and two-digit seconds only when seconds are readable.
12.25
